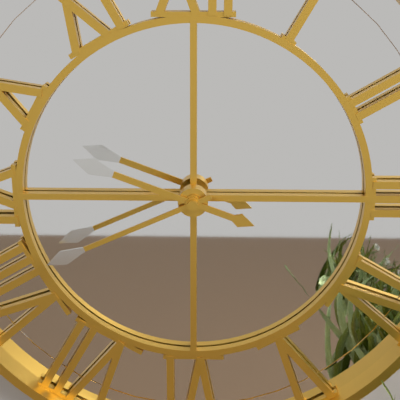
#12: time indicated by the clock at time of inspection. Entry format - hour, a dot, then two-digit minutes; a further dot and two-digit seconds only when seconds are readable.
9.41
